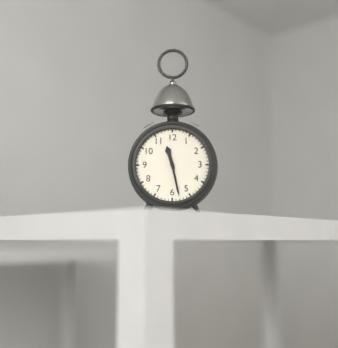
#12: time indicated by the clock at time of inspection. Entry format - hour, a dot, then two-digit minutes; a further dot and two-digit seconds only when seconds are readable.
11.28
